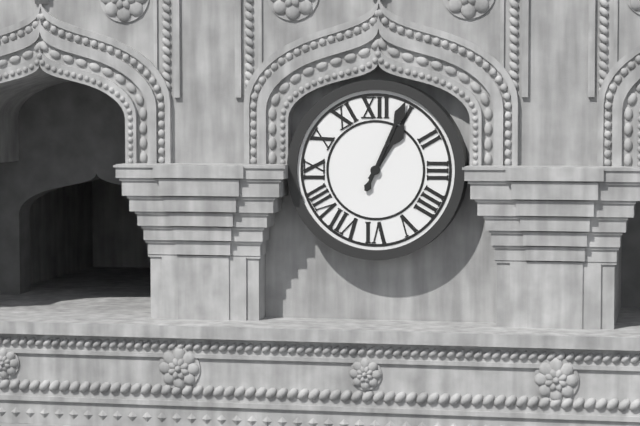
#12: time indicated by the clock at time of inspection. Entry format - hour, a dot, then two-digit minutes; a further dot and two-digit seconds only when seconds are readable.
1.04
